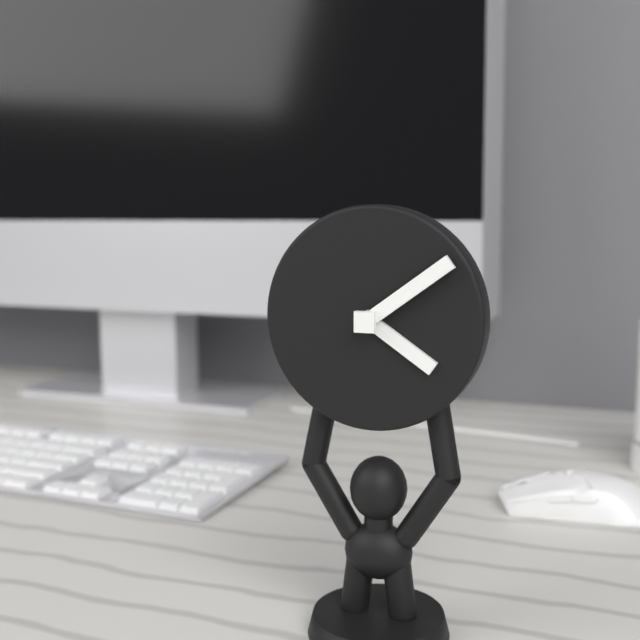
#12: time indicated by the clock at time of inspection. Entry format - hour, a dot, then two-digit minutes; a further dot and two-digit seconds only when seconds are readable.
4.09
